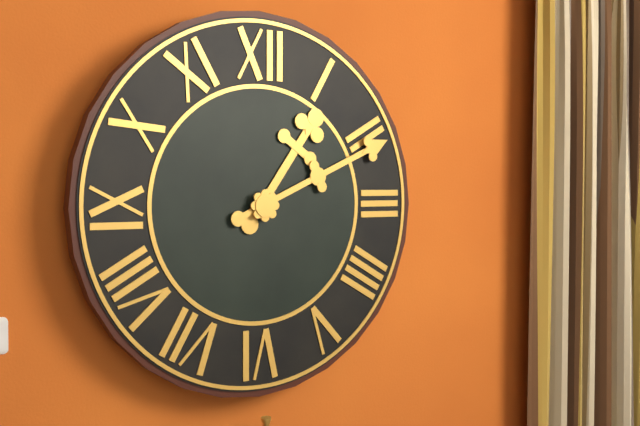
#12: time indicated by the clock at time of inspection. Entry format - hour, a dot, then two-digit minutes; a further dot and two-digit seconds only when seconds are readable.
1.11
